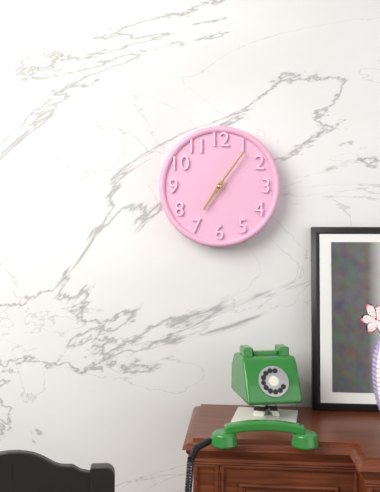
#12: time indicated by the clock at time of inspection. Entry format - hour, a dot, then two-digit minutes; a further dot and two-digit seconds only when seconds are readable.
7.06
